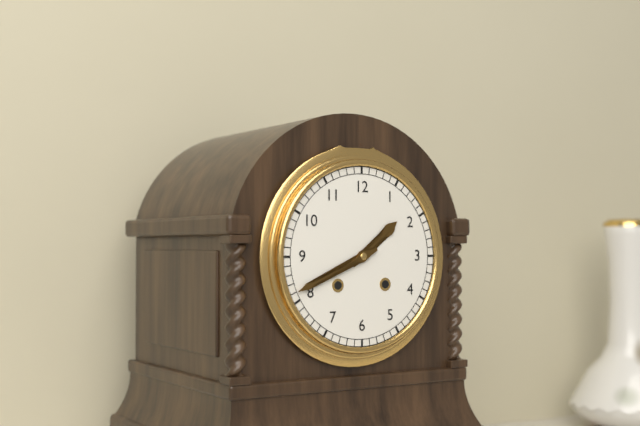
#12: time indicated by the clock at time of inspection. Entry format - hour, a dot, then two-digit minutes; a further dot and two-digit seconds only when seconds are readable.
1.41
